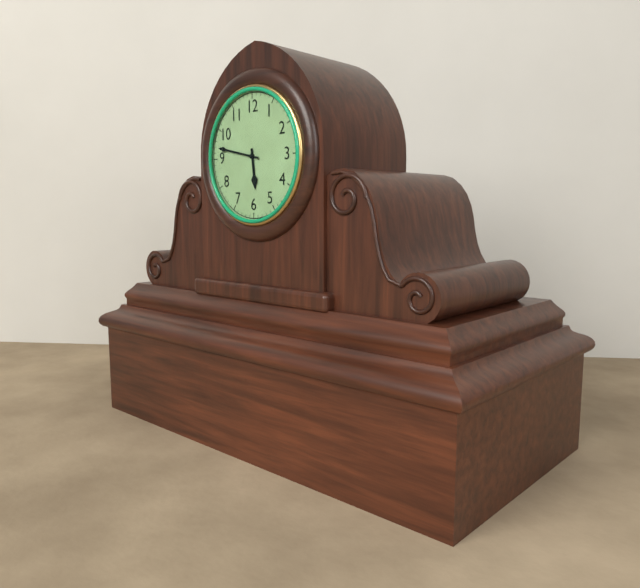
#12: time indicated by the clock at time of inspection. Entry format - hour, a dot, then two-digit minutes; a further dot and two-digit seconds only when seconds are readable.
5.47
